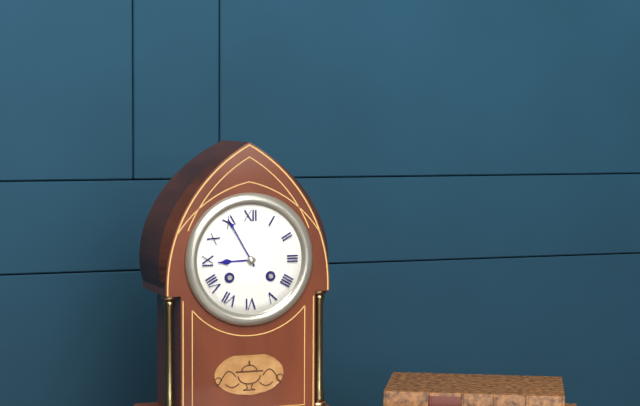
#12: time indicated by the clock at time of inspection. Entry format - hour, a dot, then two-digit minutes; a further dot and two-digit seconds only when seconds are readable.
8.55
